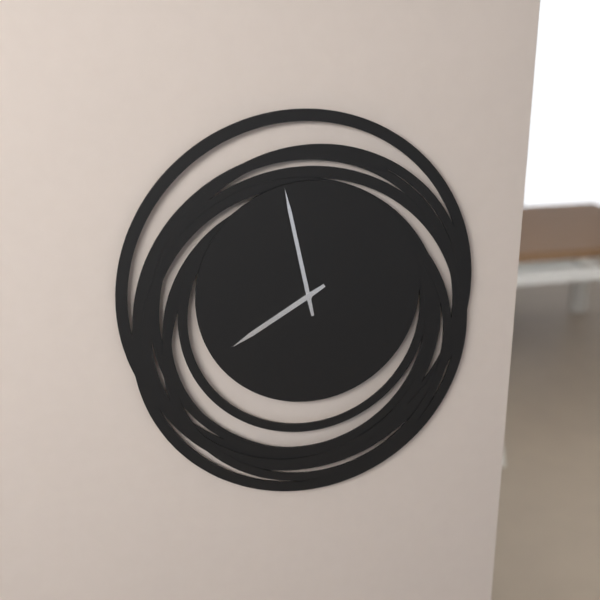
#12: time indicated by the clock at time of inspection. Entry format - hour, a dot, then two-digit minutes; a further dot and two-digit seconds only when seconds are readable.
7.58
